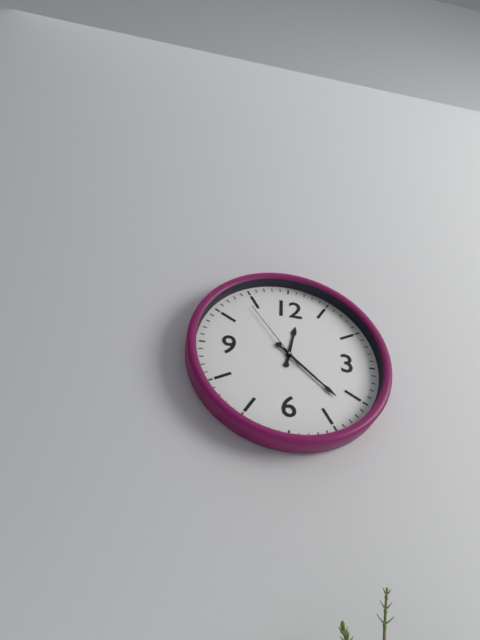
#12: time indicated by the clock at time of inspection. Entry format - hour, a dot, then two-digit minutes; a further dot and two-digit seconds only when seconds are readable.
12.22.54
